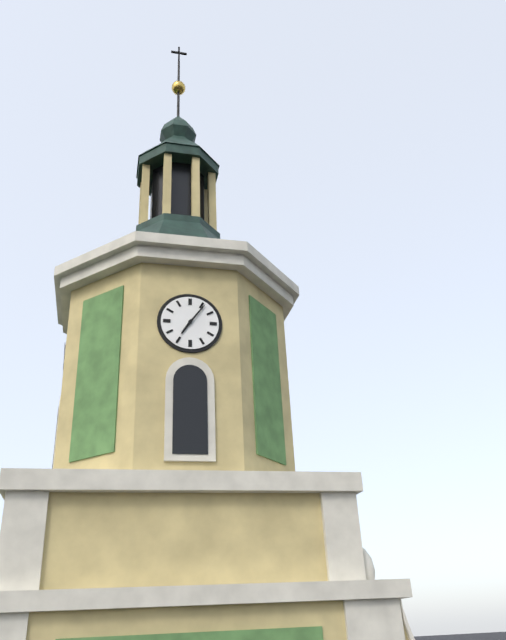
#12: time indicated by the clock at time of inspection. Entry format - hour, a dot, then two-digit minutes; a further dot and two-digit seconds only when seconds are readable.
7.06
